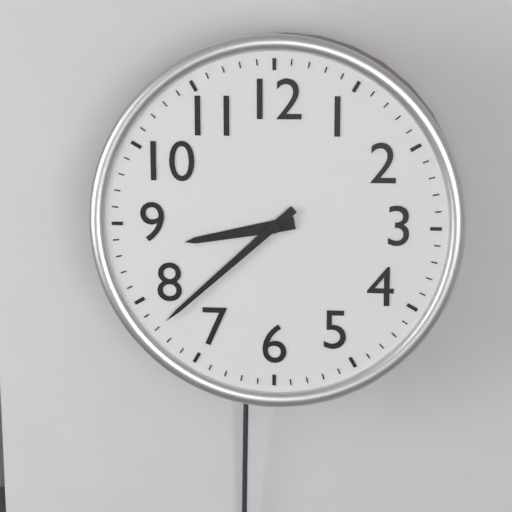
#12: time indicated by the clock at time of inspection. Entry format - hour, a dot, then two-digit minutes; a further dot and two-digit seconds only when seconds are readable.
8.38
